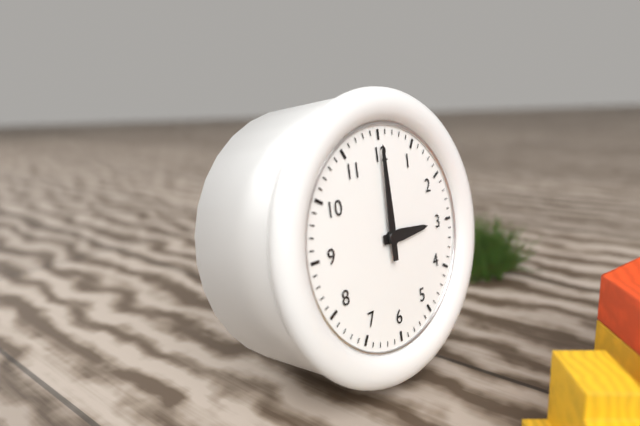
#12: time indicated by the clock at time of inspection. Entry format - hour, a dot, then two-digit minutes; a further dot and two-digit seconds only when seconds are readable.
3.00
